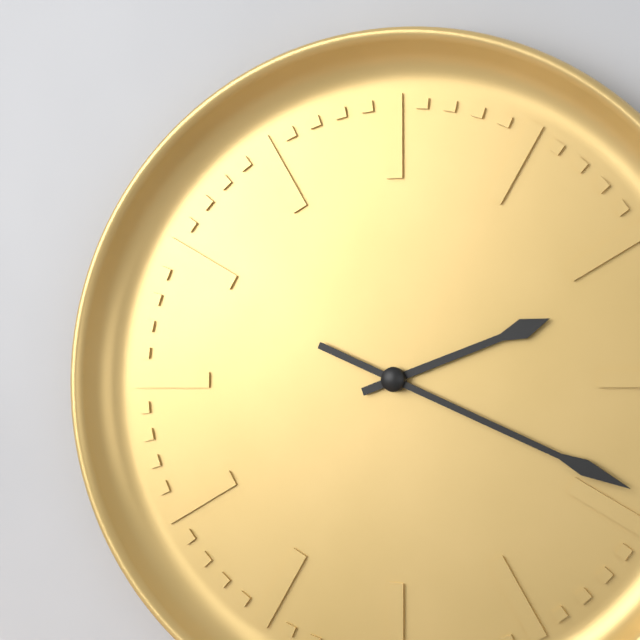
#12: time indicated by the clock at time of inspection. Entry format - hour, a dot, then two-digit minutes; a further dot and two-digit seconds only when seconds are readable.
2.19
